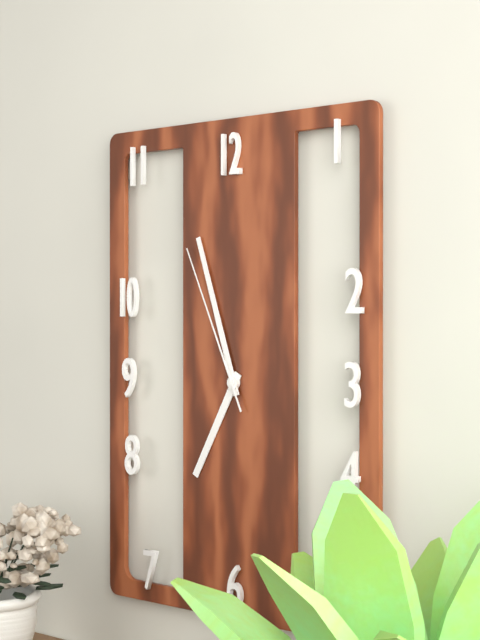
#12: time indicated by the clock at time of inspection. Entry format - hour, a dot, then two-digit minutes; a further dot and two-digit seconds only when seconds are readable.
6.57.56
